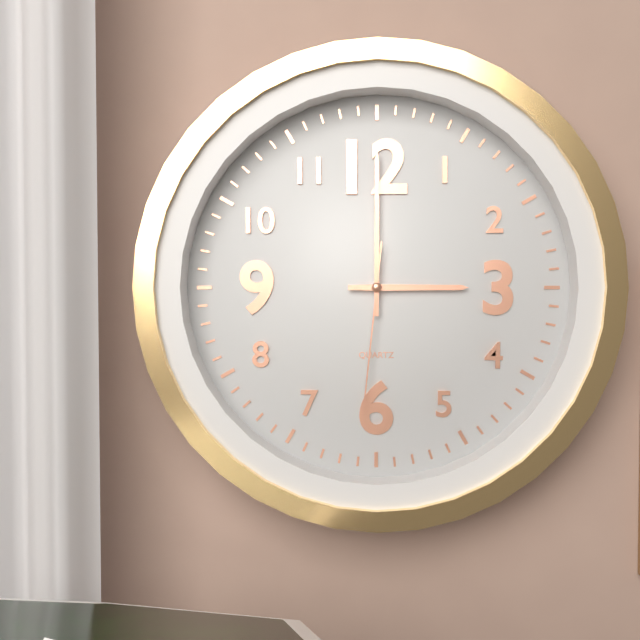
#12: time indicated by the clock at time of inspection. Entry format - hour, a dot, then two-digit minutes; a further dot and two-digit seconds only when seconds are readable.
3.00.31
